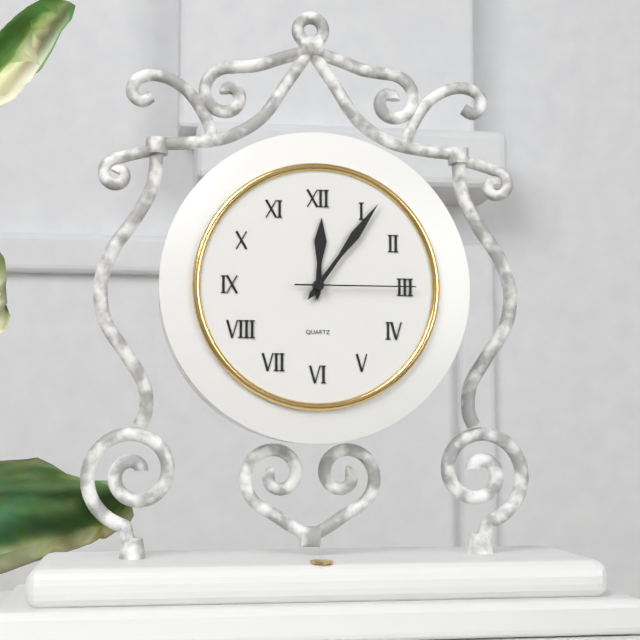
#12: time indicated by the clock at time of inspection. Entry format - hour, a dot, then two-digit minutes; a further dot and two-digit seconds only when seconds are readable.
12.06.15
